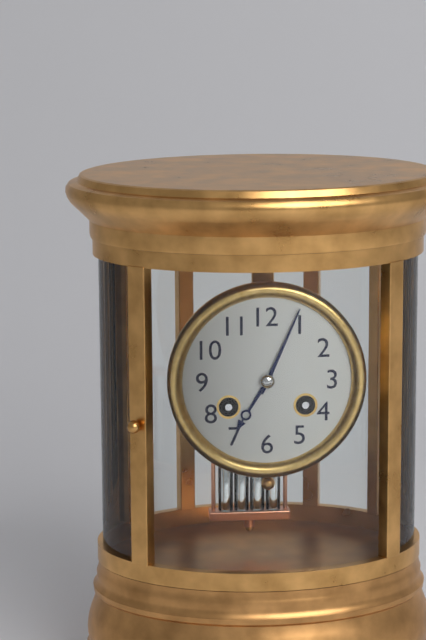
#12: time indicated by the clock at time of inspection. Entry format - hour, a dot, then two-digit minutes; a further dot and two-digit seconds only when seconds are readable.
7.04
